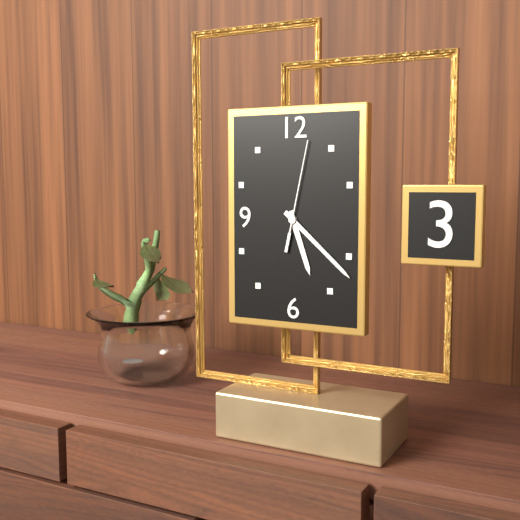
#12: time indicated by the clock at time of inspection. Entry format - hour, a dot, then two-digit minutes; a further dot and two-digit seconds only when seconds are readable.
5.22.02
